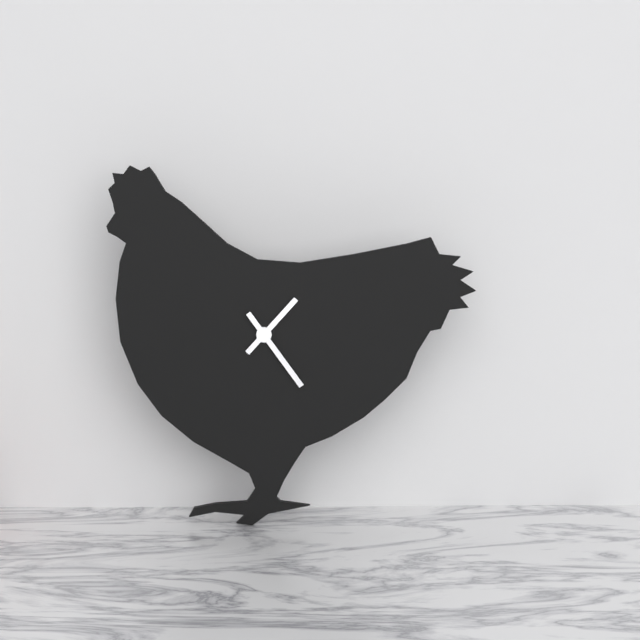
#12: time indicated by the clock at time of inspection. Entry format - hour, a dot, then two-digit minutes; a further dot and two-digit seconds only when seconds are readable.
1.24
